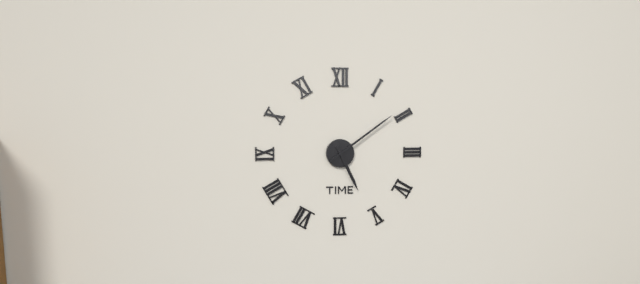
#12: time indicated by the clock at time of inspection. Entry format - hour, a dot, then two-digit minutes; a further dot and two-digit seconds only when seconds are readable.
5.09
